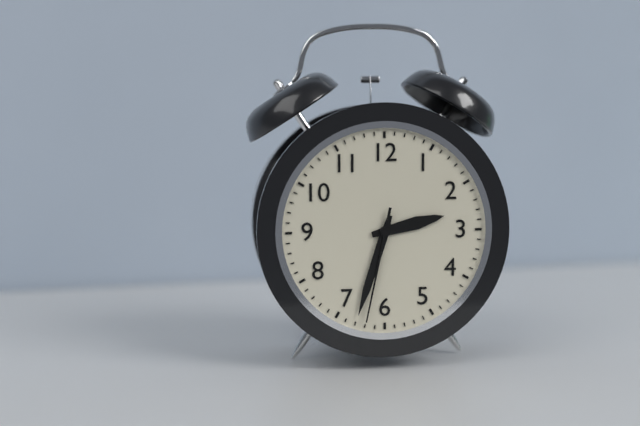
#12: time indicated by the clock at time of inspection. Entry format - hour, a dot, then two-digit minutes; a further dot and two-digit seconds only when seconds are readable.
2.33.32
